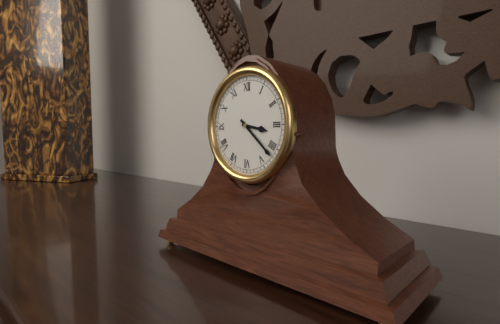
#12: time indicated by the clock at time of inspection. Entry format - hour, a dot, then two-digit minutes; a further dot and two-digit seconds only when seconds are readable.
3.22
